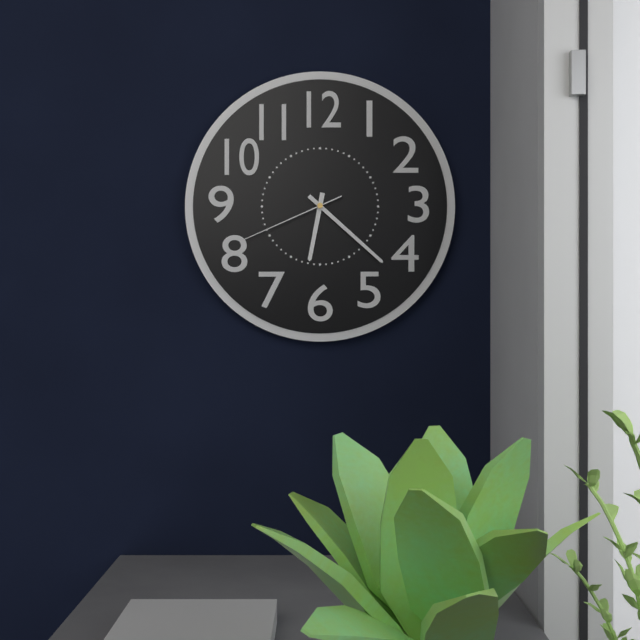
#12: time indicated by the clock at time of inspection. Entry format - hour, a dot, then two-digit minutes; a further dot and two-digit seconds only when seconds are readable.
6.22.41
